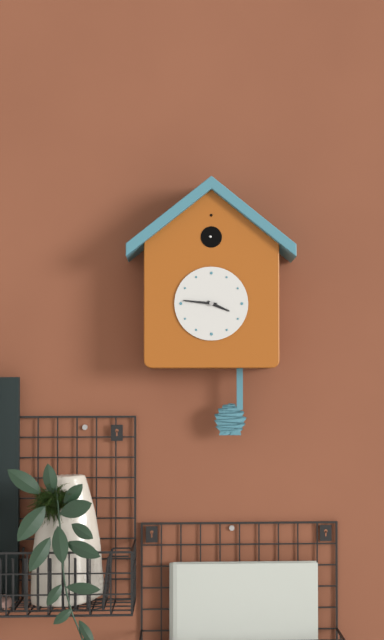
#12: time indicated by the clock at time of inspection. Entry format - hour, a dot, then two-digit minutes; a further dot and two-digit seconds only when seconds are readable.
3.46
